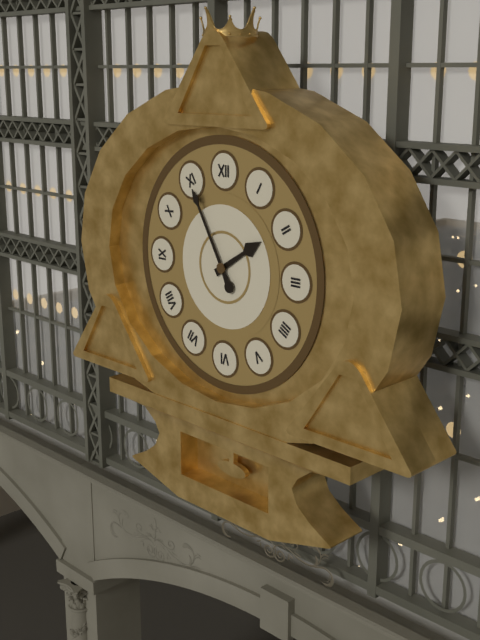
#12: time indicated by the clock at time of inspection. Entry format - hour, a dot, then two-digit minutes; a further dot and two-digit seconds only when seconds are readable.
1.55
